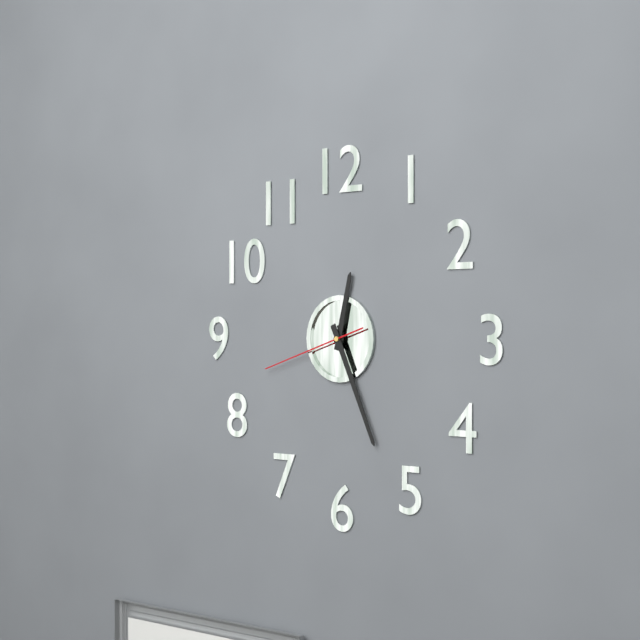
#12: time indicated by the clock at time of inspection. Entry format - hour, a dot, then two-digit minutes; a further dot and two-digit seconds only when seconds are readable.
12.26.42
